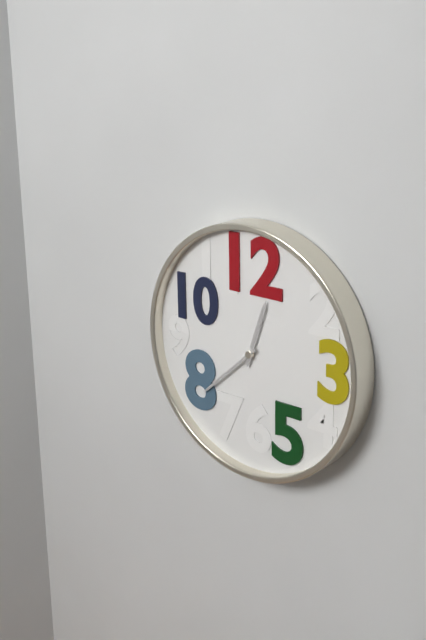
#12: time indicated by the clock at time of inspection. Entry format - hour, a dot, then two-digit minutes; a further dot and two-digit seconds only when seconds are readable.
12.38
